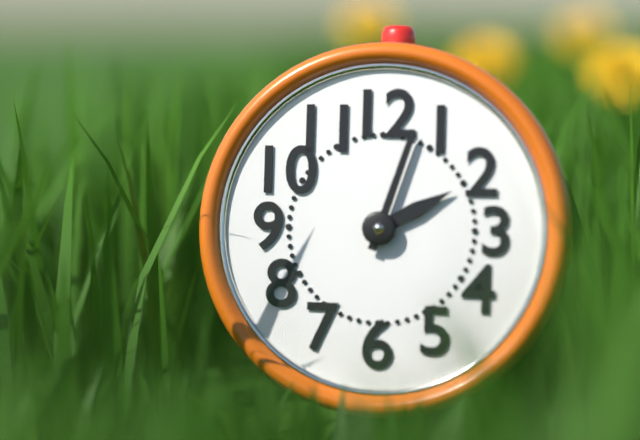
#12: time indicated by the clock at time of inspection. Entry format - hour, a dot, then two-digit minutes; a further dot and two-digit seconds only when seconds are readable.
2.03
